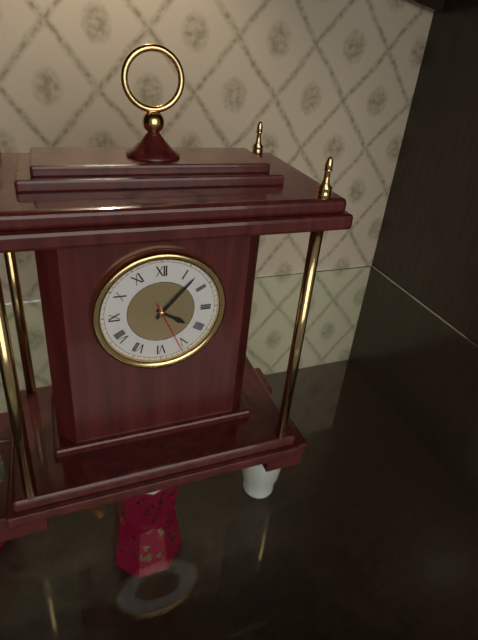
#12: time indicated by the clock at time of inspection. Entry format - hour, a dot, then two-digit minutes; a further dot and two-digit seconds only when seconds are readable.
4.07.26
